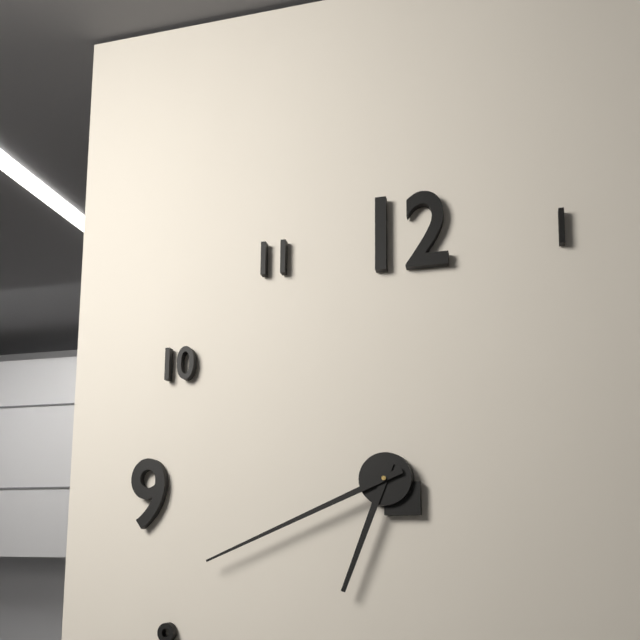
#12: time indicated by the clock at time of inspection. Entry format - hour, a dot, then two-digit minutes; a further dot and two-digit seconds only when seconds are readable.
6.41
